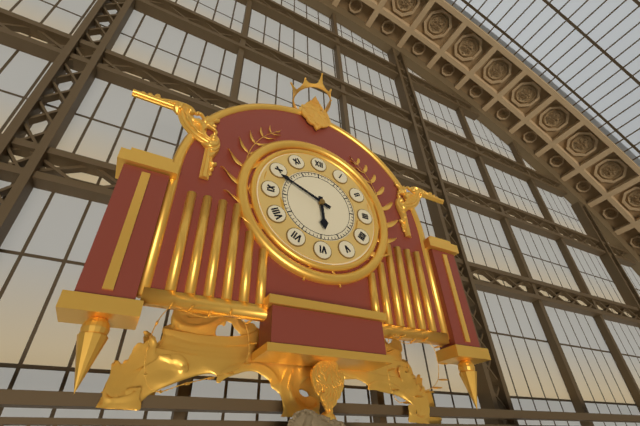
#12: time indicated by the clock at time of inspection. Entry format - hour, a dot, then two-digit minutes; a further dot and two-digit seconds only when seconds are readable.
5.49
